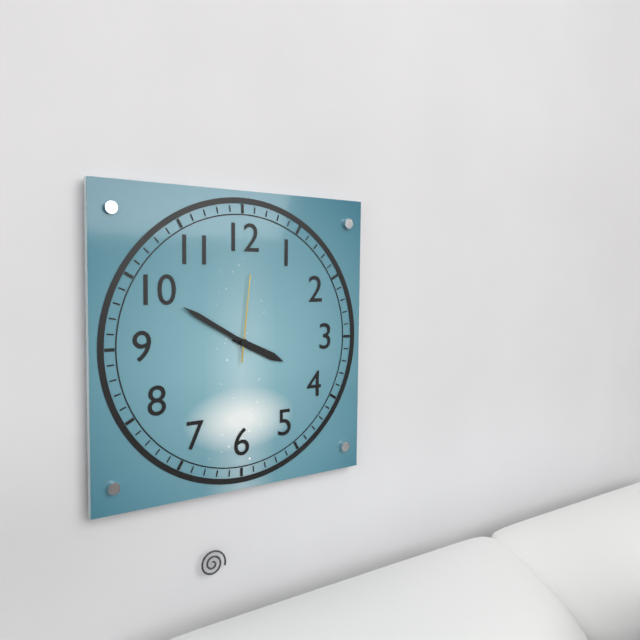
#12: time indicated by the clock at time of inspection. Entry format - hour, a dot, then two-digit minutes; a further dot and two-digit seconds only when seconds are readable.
3.50.01
